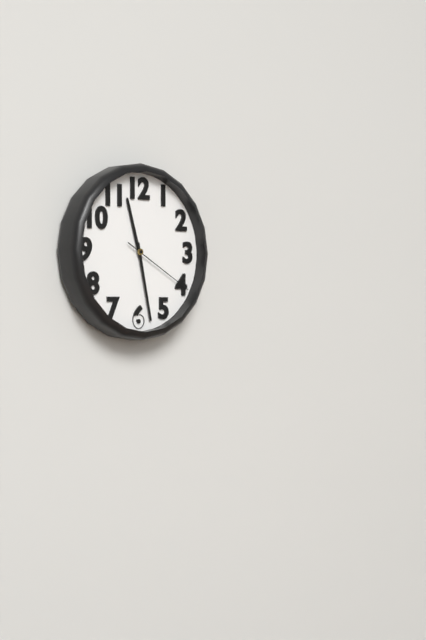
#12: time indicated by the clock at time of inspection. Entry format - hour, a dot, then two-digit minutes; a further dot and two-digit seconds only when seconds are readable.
11.28.20
